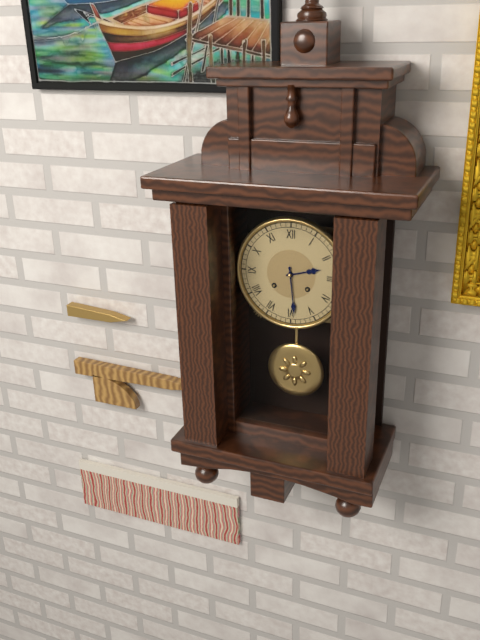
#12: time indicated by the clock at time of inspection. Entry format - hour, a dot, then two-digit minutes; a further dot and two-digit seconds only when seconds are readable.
2.29
